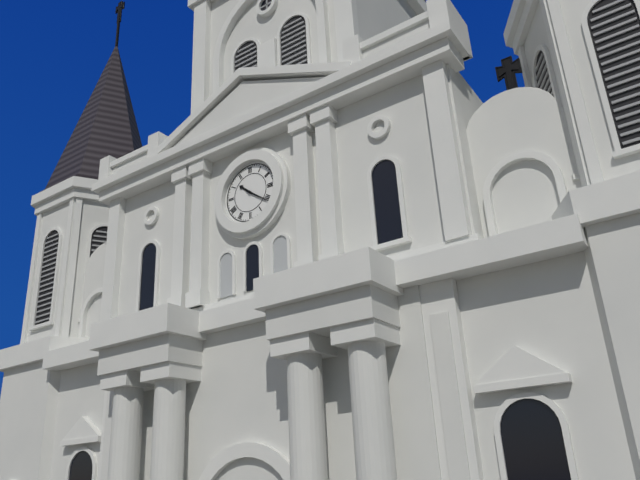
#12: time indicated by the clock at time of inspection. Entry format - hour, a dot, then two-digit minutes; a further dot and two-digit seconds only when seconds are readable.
10.21
